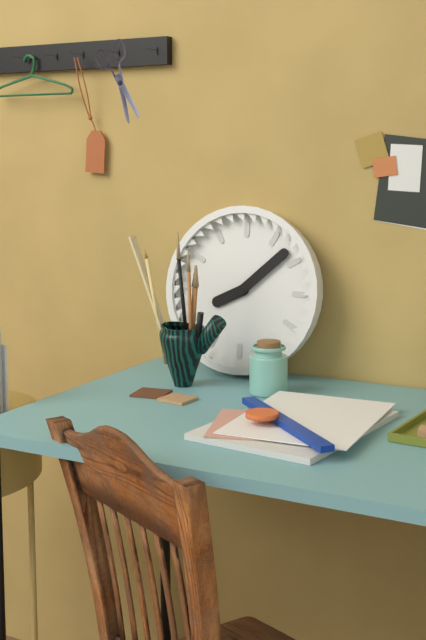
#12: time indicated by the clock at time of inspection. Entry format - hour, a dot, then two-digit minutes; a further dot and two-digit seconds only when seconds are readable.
8.08
